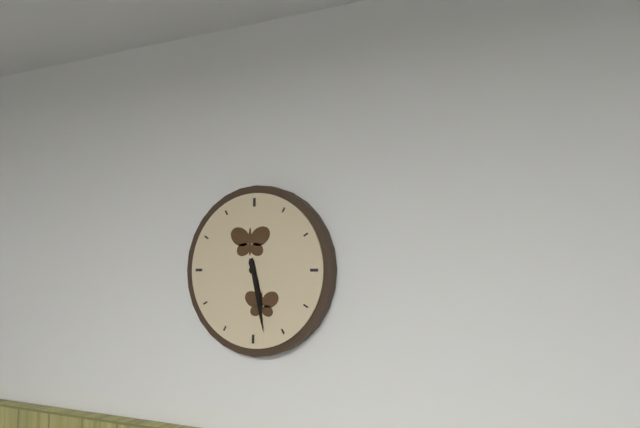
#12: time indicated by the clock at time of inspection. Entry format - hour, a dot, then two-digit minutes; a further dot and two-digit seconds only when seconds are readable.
5.28
